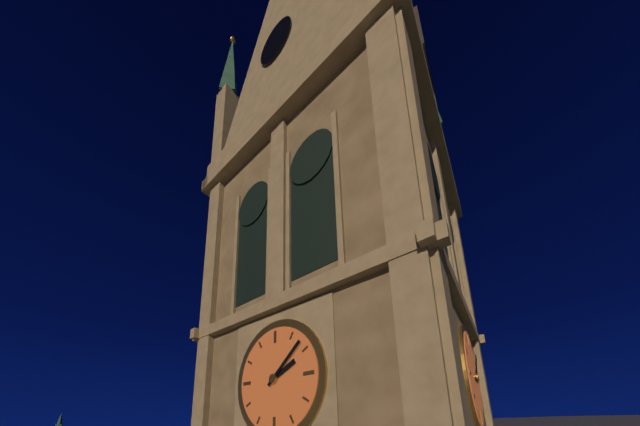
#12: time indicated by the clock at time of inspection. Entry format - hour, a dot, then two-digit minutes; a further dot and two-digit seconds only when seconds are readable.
2.08
